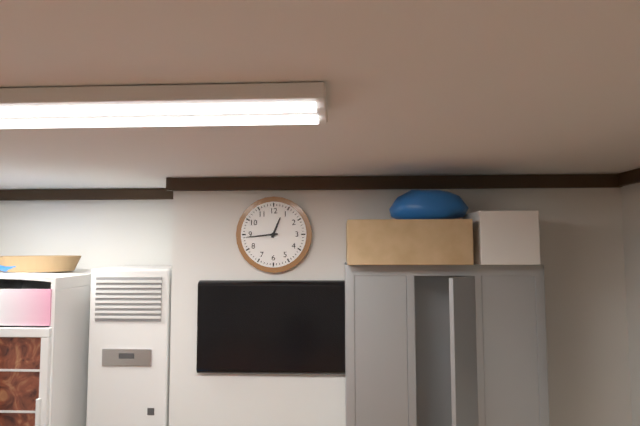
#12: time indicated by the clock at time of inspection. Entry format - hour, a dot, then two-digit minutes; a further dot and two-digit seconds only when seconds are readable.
12.44
